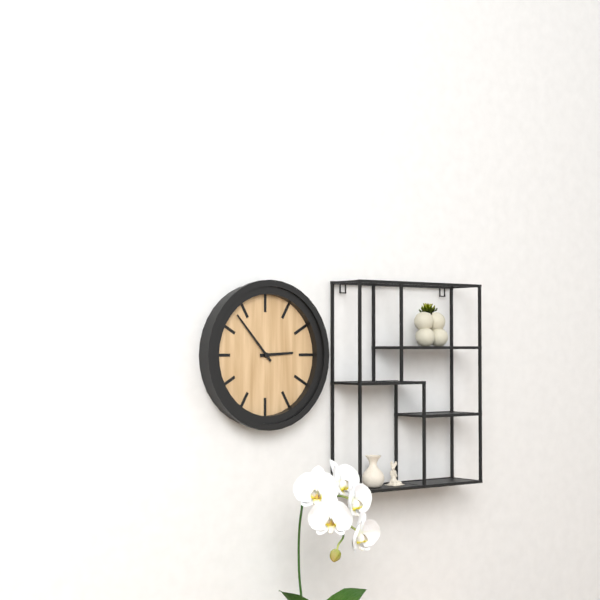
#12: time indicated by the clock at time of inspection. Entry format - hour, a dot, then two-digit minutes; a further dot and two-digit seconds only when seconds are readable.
2.53
